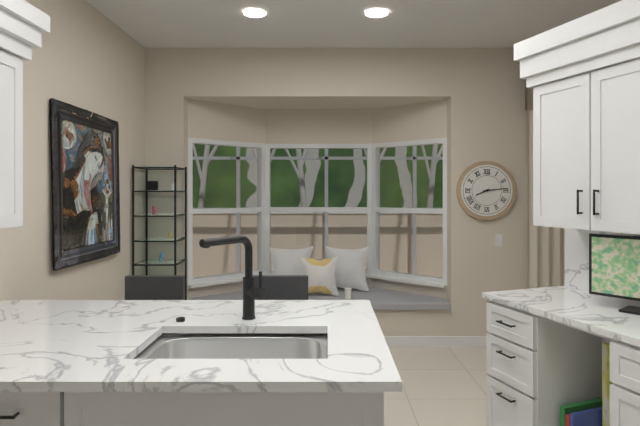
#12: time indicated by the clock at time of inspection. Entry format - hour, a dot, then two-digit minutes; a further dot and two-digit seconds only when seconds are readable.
8.14
